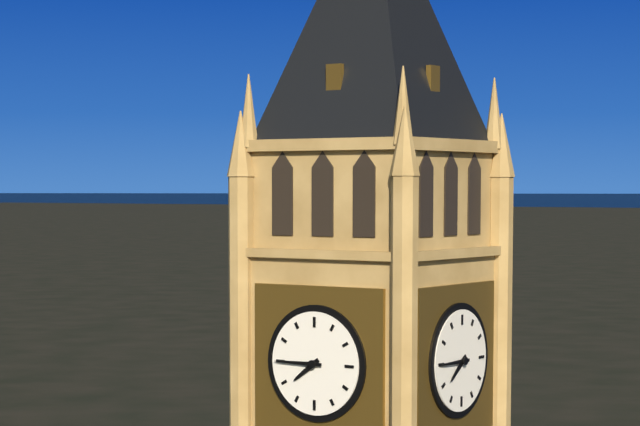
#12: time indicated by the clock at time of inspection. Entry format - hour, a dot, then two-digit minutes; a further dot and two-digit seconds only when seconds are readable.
7.45
